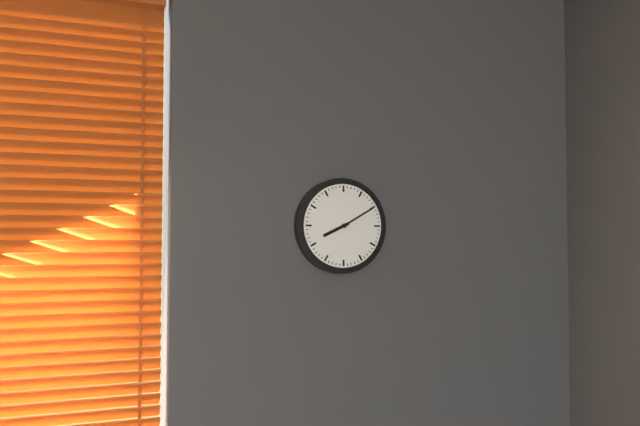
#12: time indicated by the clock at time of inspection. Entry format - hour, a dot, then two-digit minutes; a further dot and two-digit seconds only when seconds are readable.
8.10
